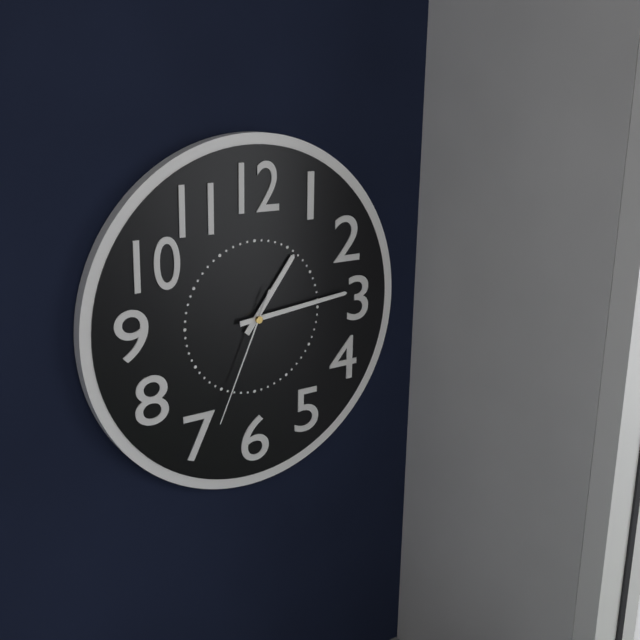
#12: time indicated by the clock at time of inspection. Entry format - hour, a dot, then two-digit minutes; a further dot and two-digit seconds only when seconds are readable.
1.14.34
